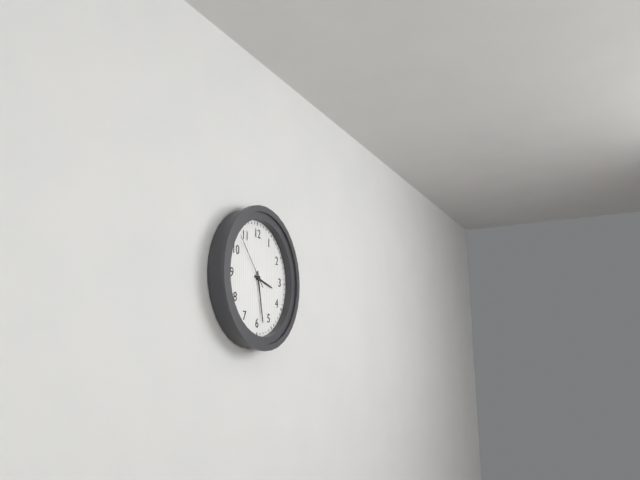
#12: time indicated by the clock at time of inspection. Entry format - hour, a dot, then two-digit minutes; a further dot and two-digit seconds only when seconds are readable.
3.28.53
